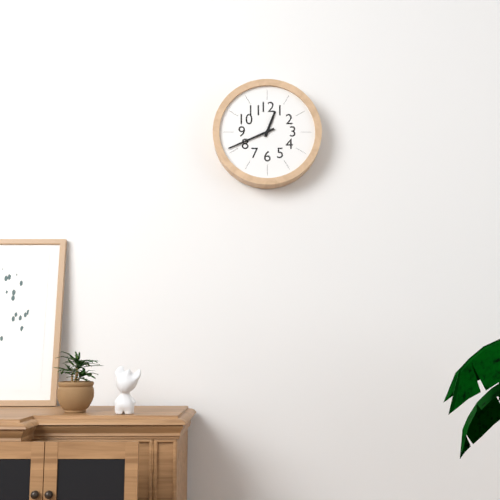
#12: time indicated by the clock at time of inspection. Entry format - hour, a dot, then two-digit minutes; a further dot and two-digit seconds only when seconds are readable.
12.41
